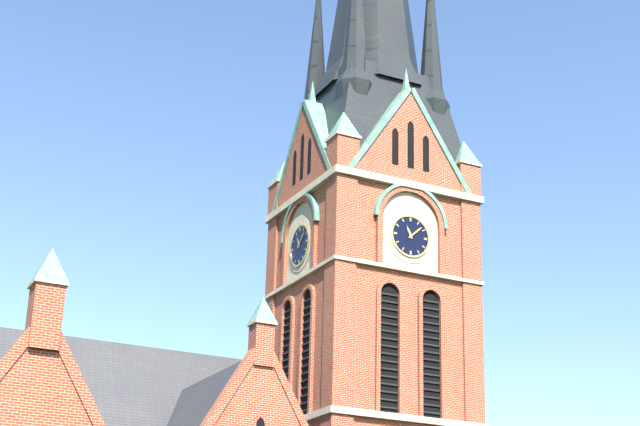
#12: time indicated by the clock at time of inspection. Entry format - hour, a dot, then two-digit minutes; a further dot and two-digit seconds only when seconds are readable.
11.08
